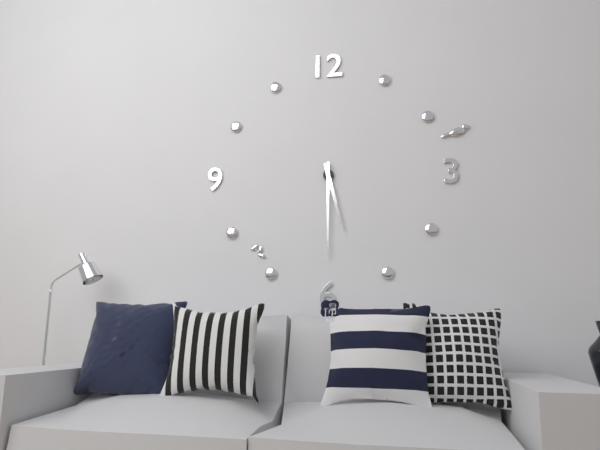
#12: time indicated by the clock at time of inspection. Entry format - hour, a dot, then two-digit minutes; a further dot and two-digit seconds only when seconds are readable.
5.30
